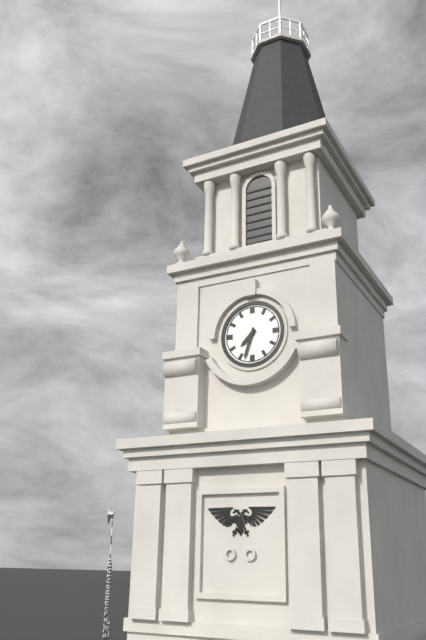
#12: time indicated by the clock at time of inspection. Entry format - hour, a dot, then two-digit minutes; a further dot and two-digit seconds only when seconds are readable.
7.33
